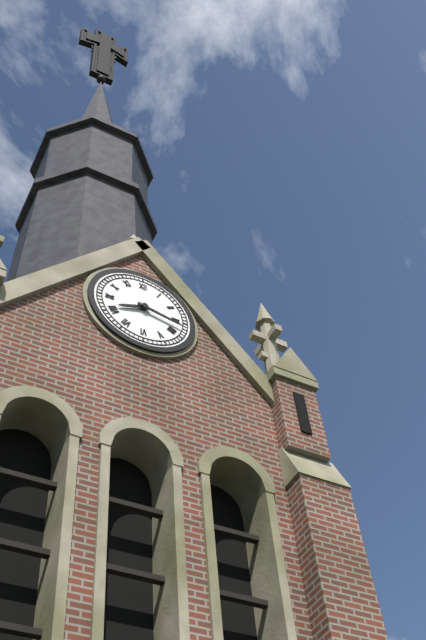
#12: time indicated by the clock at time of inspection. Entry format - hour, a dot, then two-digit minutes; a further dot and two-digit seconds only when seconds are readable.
8.17
